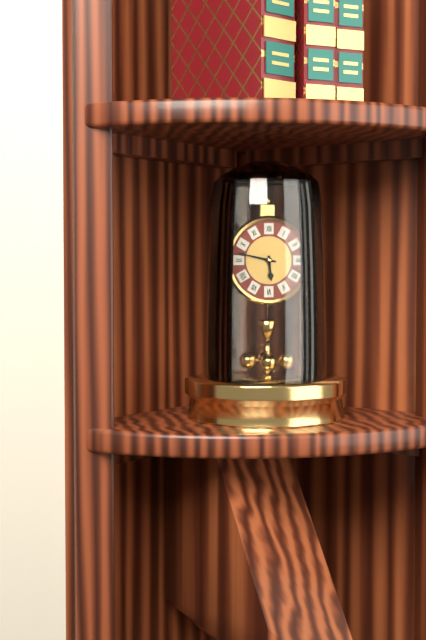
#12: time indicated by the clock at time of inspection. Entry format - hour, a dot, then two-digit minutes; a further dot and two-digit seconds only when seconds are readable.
5.47
